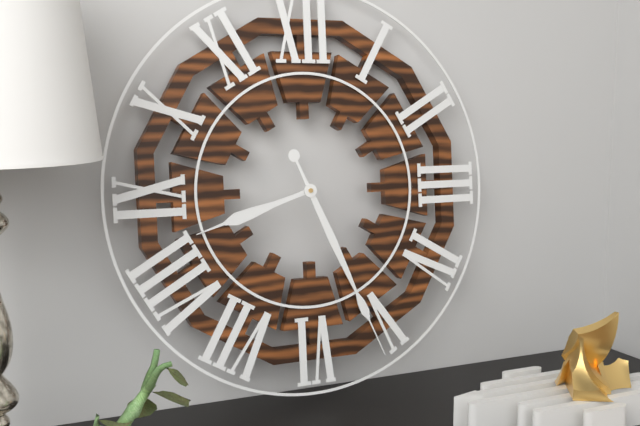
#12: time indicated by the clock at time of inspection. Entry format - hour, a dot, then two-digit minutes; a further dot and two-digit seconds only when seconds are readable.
8.26
